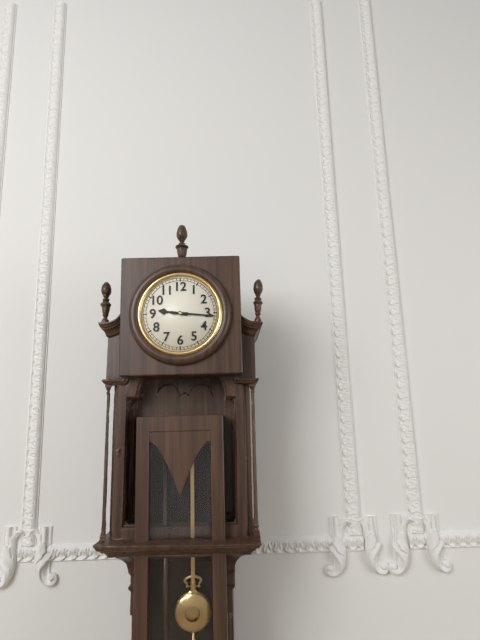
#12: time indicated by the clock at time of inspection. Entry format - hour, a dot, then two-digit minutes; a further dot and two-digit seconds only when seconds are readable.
9.16
